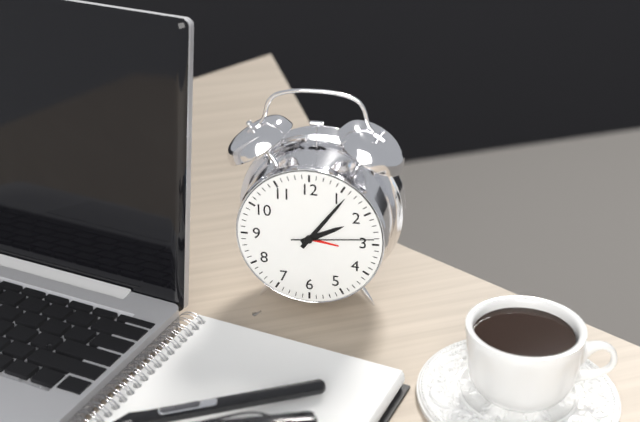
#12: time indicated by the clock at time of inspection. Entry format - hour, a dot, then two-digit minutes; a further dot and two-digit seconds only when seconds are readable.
2.06.14
